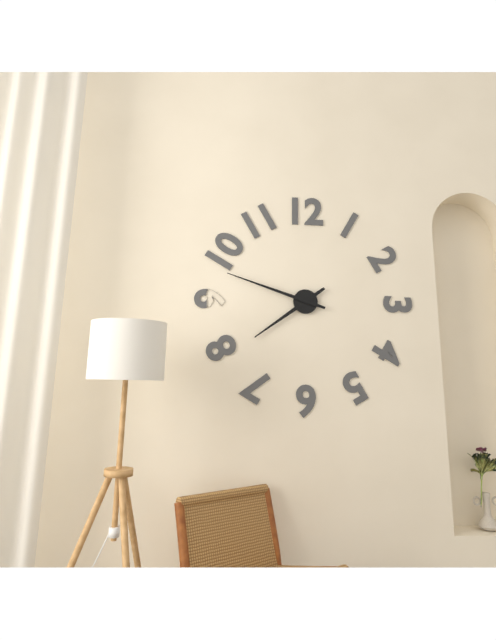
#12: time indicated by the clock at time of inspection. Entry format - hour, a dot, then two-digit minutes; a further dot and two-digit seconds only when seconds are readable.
7.48
